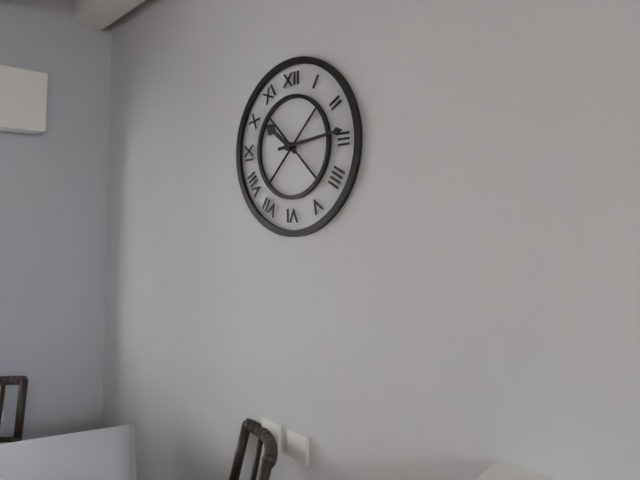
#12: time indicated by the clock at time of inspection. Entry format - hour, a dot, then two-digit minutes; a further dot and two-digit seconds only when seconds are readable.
10.14
